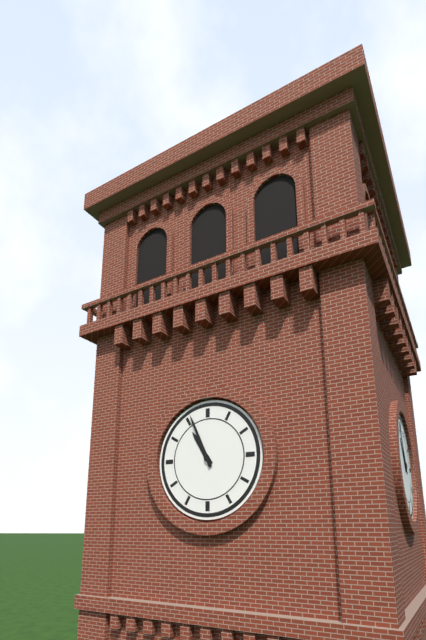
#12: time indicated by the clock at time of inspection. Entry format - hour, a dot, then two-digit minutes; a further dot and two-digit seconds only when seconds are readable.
10.56
